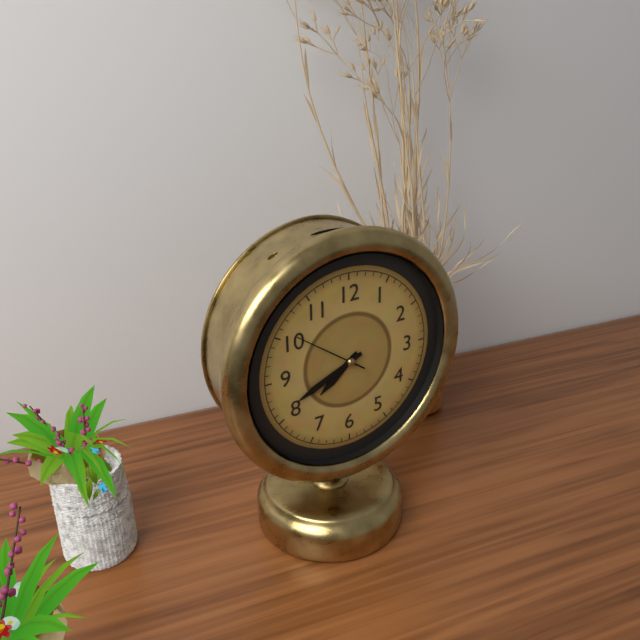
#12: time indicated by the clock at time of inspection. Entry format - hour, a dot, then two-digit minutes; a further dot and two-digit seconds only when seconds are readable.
7.41.51
